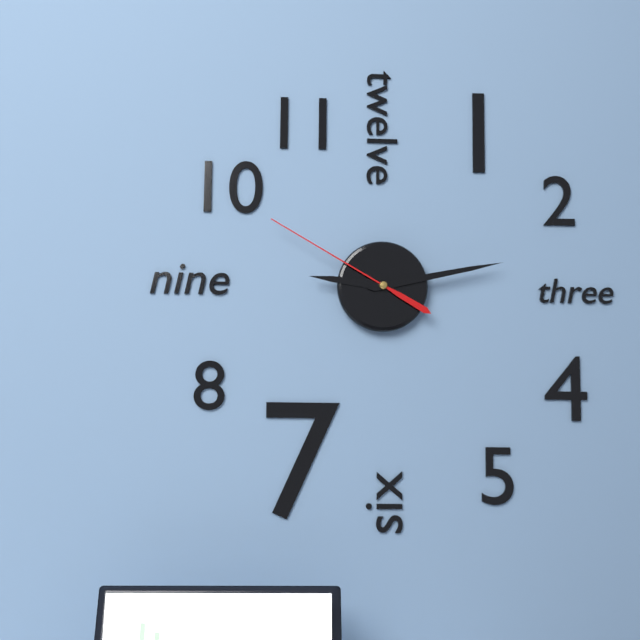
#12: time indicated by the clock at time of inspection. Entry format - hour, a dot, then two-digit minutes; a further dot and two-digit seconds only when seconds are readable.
9.13.50
